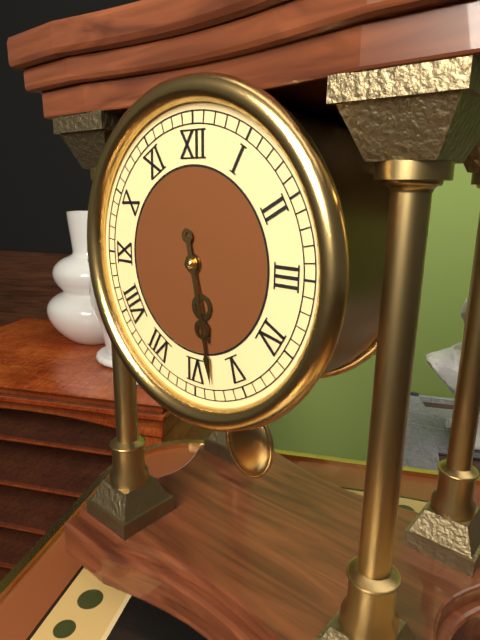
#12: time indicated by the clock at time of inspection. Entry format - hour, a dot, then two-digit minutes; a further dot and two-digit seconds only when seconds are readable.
5.28
